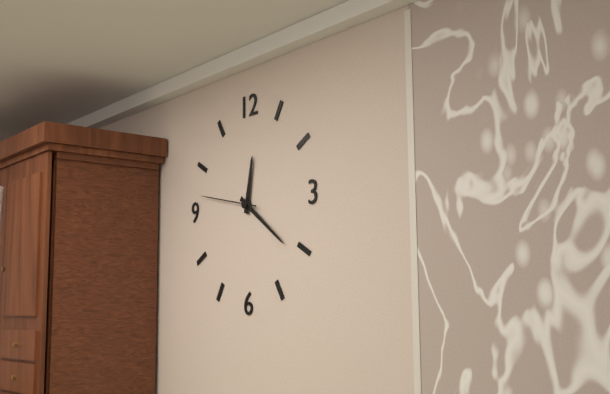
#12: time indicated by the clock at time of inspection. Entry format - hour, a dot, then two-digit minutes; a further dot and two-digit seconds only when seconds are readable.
12.21.47
